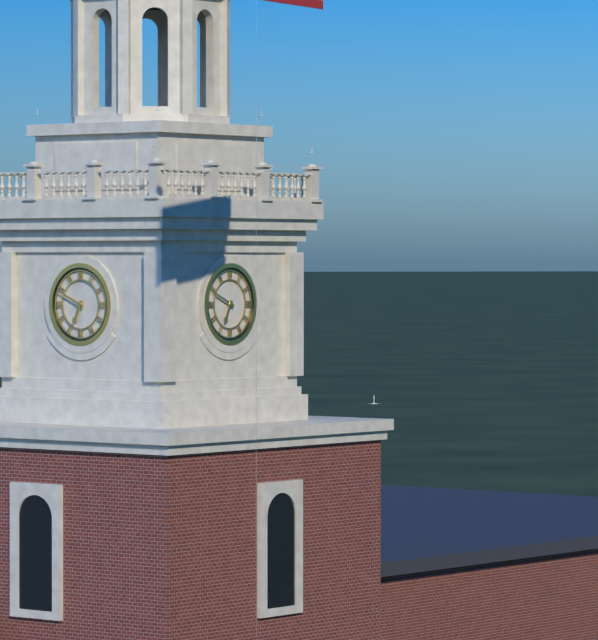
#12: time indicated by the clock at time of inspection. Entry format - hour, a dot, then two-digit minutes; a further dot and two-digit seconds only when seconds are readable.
6.49
